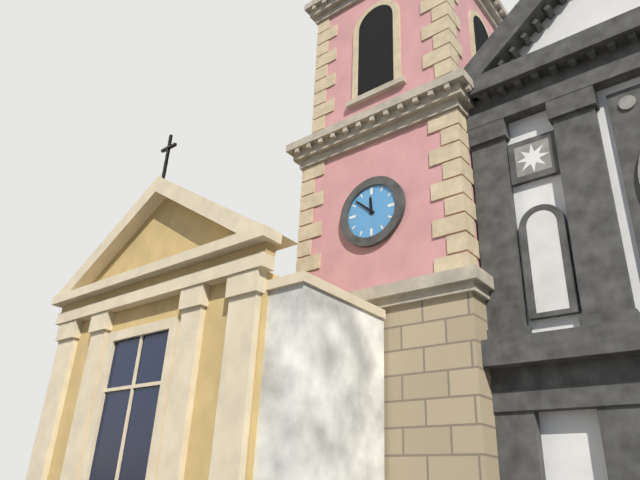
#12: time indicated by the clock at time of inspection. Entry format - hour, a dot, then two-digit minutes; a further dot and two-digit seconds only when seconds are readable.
11.52
